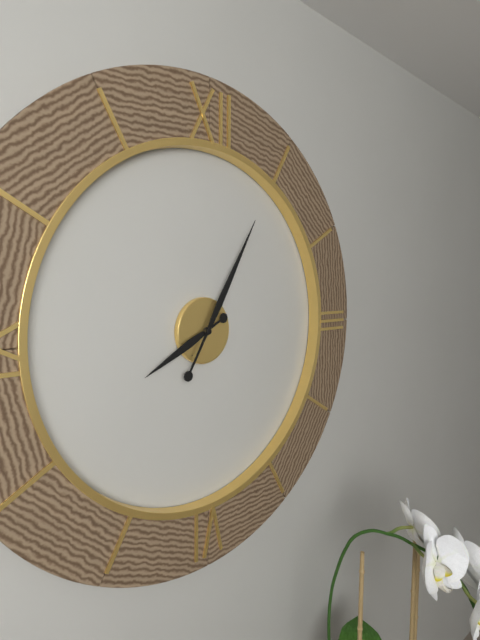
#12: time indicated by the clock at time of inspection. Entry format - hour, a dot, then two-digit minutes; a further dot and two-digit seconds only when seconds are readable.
8.05
